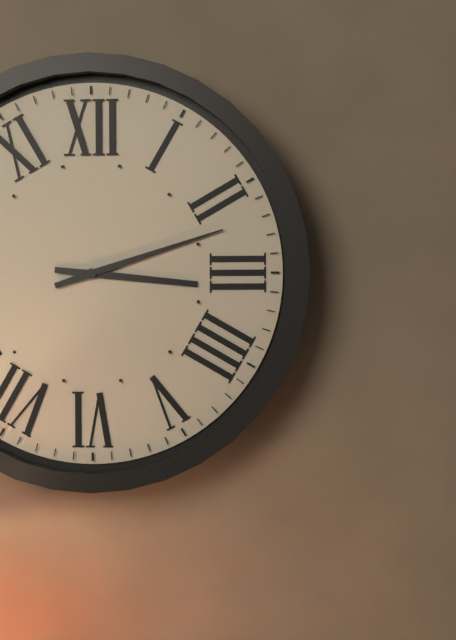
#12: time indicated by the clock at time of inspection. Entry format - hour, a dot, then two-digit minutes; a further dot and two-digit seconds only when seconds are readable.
3.12
